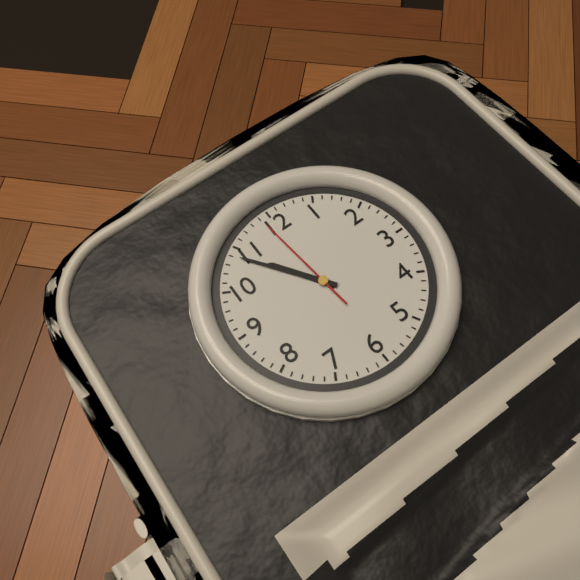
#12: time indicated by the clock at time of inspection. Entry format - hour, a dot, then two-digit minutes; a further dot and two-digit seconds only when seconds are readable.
10.54.59
